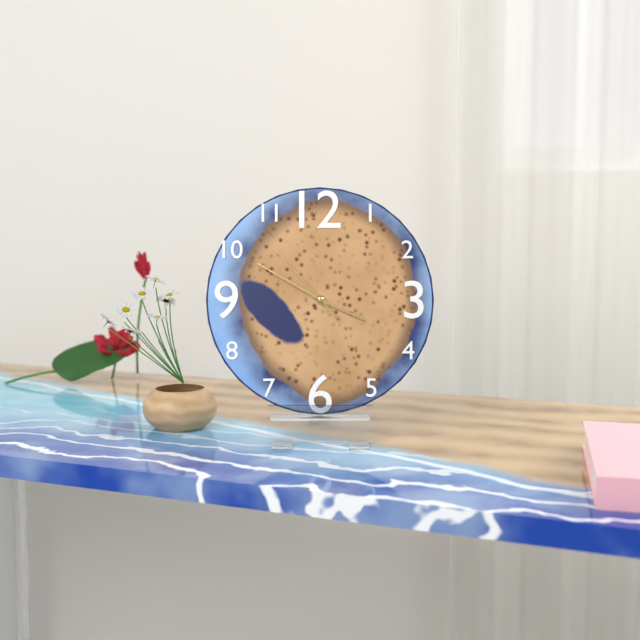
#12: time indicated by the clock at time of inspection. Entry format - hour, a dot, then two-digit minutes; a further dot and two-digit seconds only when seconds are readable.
3.50.53
